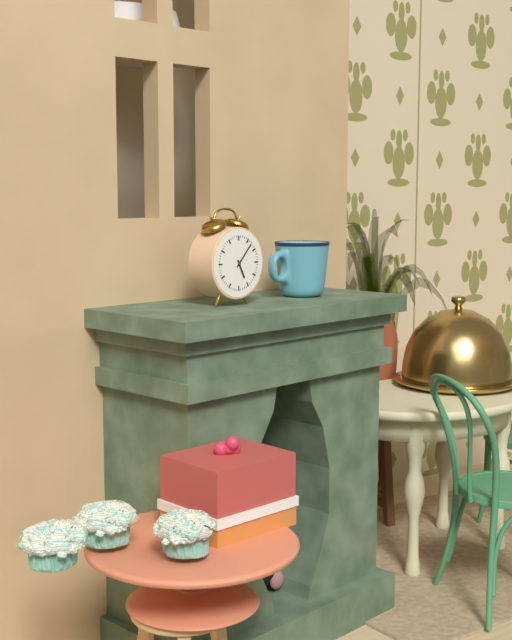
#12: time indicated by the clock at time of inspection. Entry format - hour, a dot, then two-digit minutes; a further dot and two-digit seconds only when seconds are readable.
5.07
